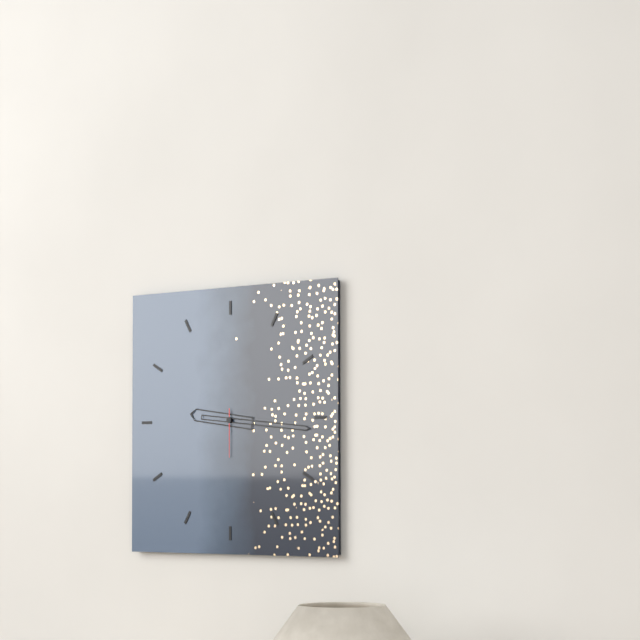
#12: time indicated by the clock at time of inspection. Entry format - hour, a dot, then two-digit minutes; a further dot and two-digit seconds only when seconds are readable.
9.16
